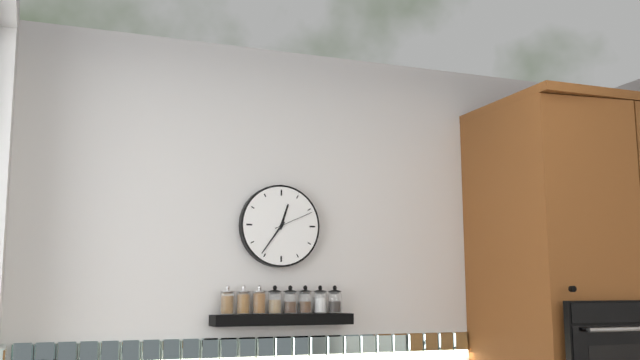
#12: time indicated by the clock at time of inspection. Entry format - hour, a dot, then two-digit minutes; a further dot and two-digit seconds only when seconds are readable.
12.36
